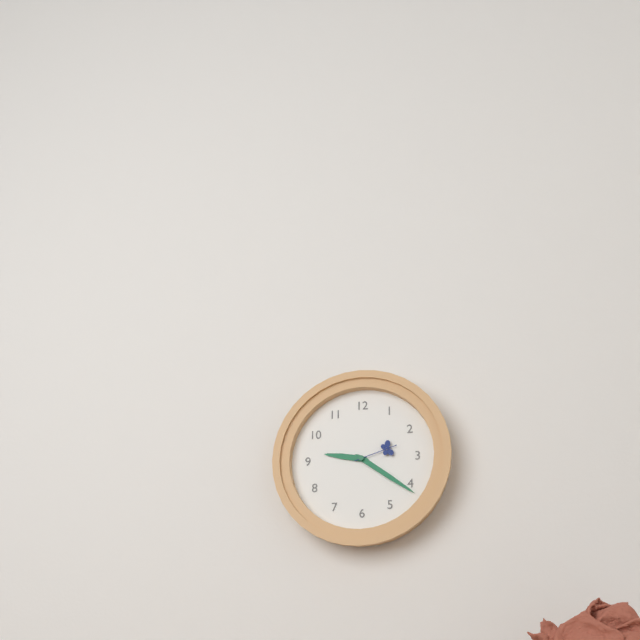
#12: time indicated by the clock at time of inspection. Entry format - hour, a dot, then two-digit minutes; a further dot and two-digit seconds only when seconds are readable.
9.21
